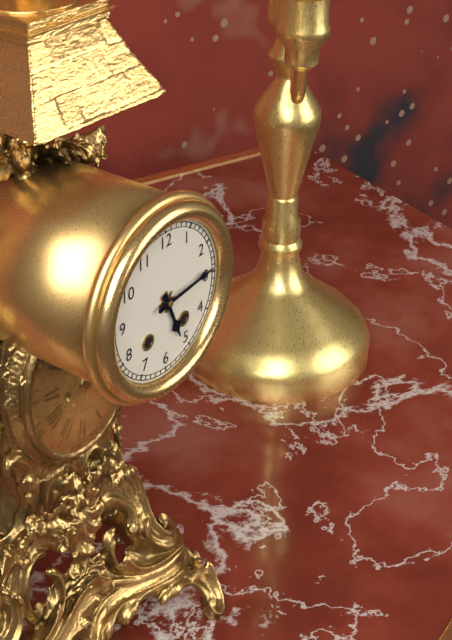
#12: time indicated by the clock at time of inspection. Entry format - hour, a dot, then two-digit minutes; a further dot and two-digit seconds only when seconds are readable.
5.14
